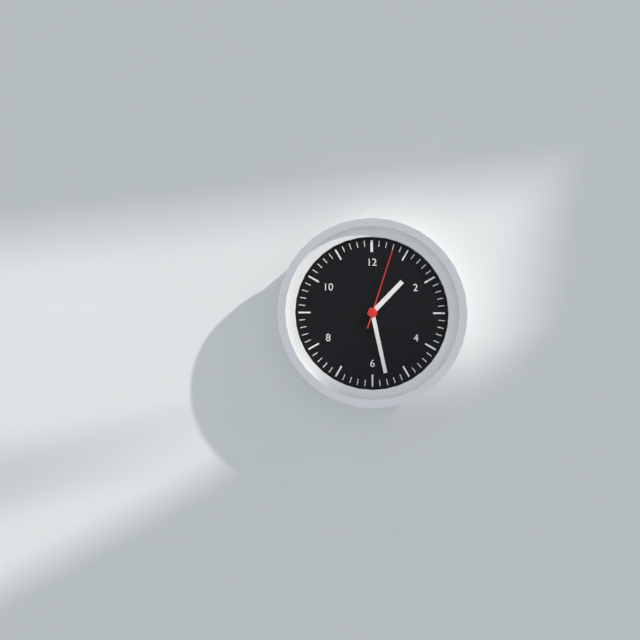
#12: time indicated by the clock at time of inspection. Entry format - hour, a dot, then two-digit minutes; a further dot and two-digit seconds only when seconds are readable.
1.28.03
